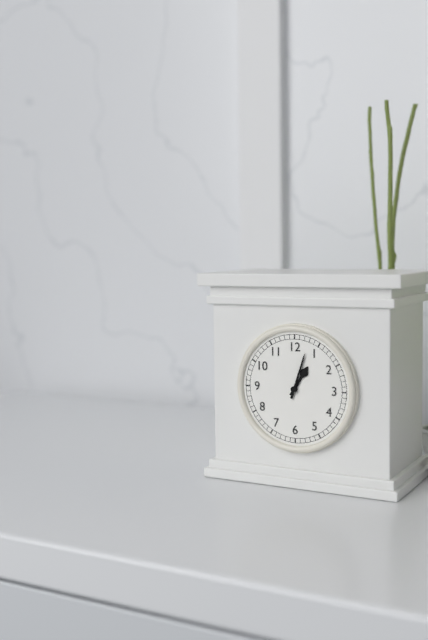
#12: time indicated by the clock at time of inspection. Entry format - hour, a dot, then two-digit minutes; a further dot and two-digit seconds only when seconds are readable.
1.03
